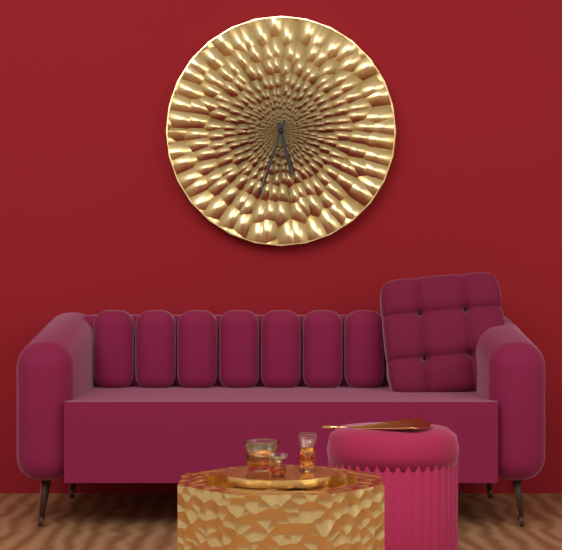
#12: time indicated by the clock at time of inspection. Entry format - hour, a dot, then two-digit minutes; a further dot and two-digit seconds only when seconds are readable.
5.33
